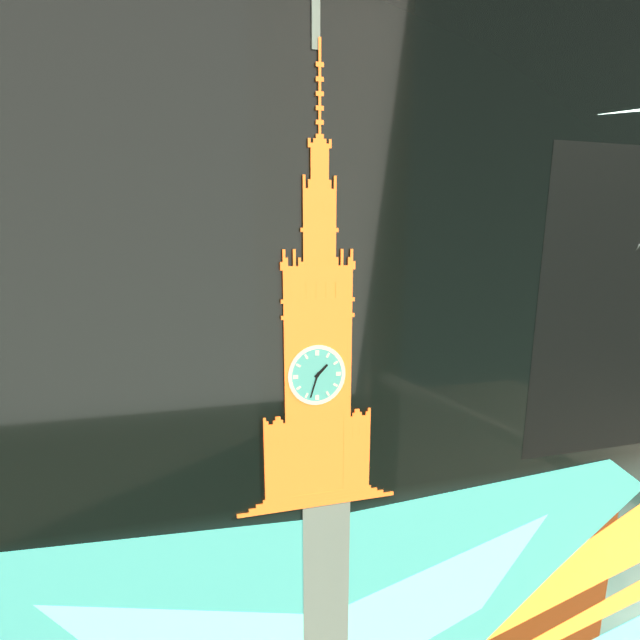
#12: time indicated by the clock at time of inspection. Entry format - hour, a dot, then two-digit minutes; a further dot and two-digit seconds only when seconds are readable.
1.33
